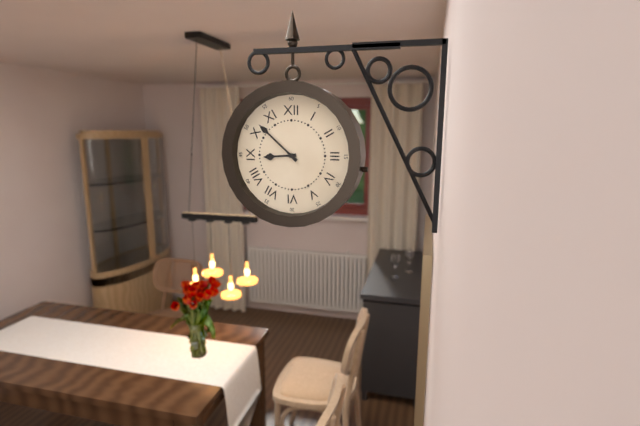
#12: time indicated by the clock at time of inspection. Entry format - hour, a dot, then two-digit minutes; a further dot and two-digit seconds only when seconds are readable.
8.52
